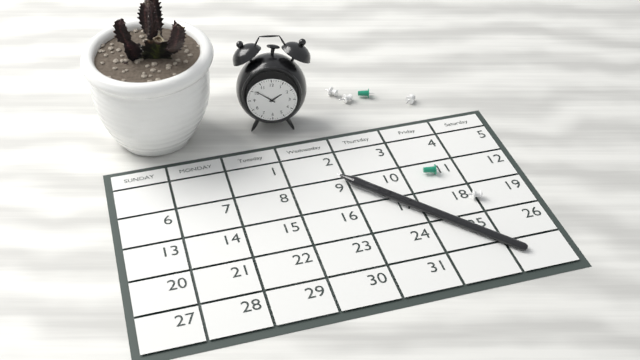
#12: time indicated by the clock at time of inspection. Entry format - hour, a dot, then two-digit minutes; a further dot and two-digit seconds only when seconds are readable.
1.51
